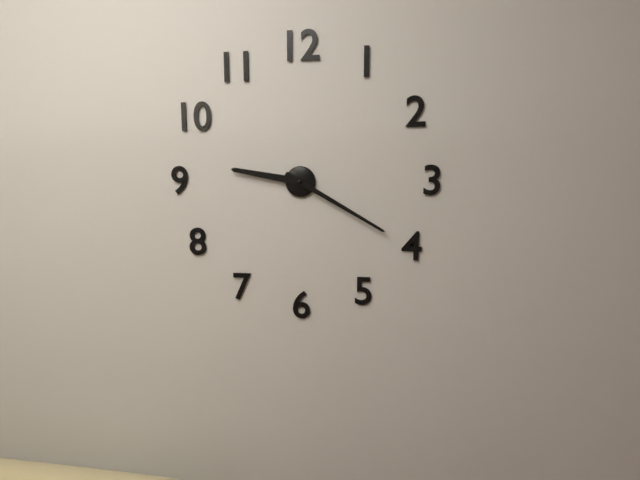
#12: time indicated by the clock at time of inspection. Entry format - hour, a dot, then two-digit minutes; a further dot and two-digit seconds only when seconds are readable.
9.20
